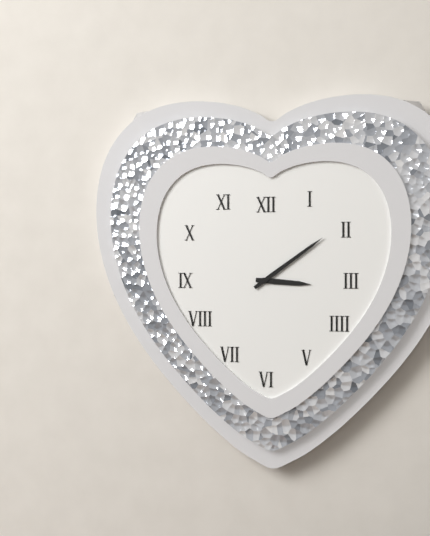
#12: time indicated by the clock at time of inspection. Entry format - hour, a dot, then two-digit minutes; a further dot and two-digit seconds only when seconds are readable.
3.09
